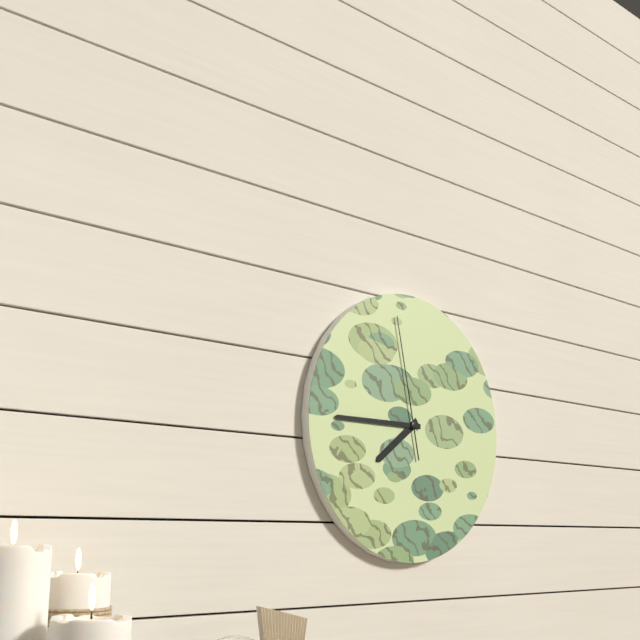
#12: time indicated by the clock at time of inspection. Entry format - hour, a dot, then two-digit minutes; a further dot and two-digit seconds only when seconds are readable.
7.45.58
